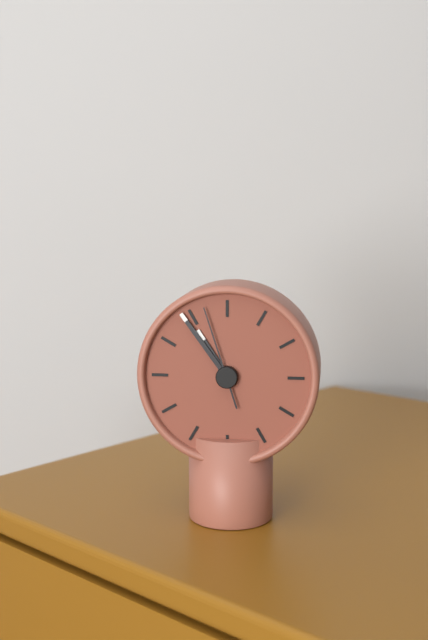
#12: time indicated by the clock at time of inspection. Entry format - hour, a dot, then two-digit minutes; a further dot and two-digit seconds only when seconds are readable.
10.54.57
